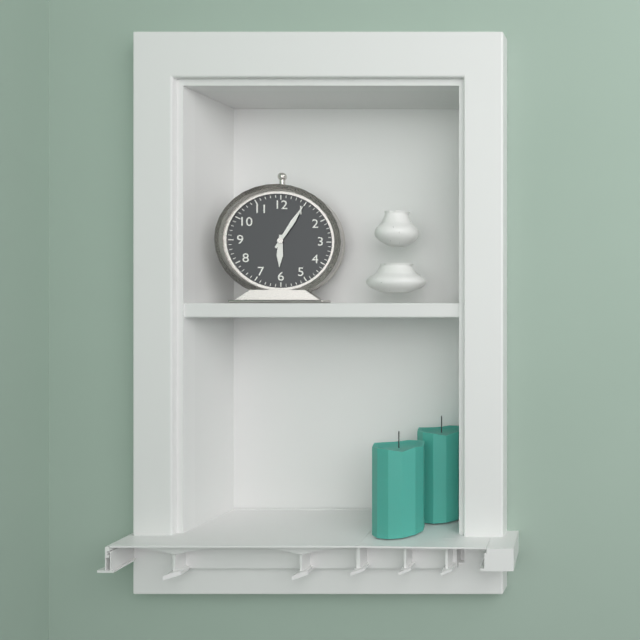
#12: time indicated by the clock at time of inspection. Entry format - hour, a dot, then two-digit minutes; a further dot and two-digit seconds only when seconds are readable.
6.05
